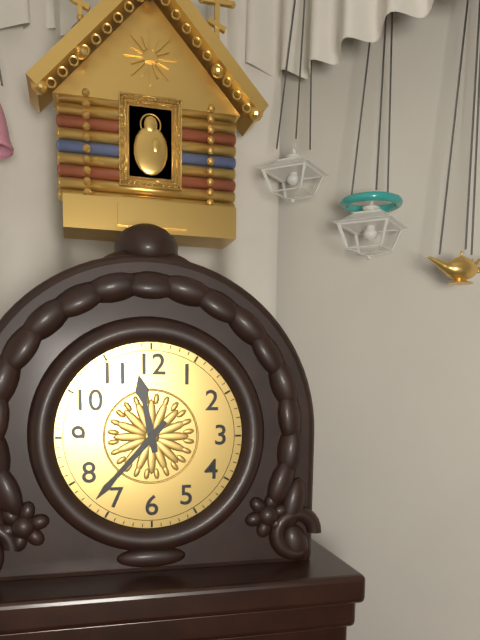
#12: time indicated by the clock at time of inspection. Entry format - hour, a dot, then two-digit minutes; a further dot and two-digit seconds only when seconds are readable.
11.37
